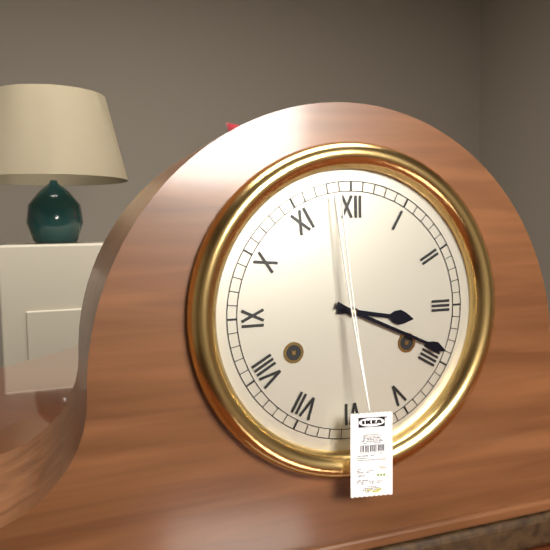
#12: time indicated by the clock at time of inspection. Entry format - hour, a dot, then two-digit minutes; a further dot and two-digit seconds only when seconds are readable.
3.19
